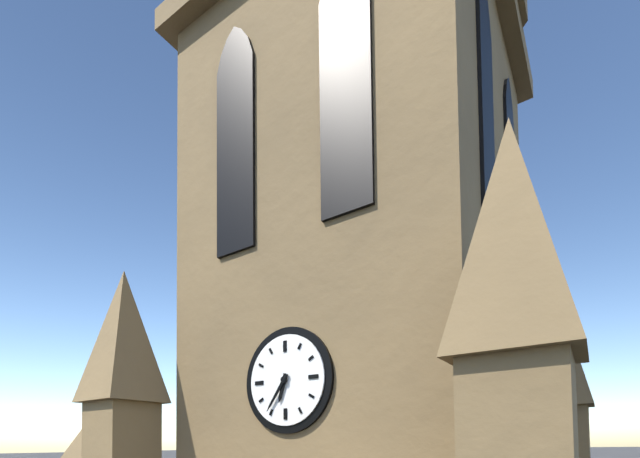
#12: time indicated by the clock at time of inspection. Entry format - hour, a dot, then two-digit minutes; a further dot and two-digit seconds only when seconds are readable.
6.36
